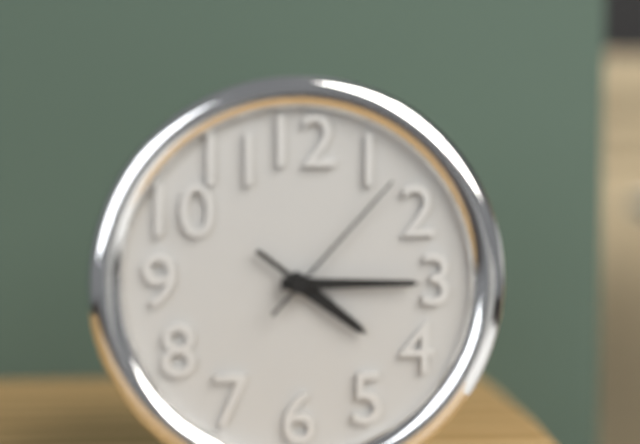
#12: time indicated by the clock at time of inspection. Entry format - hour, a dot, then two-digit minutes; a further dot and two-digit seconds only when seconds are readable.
4.15.07
